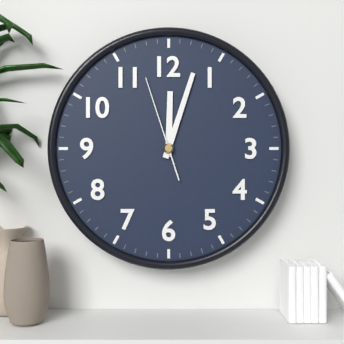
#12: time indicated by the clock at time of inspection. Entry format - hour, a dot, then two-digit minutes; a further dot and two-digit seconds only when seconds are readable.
12.03.57
